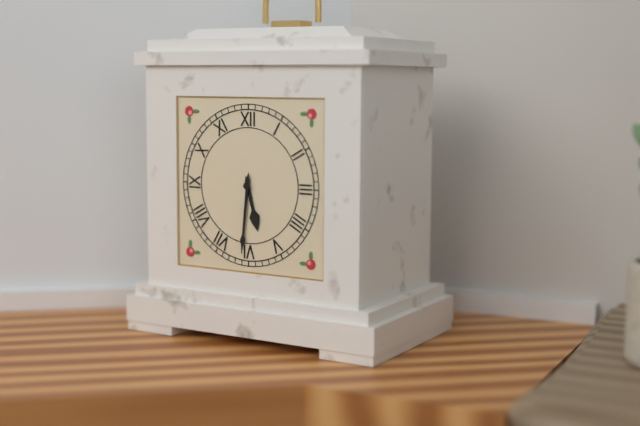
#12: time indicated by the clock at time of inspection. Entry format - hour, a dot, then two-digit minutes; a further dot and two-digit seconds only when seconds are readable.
5.31
